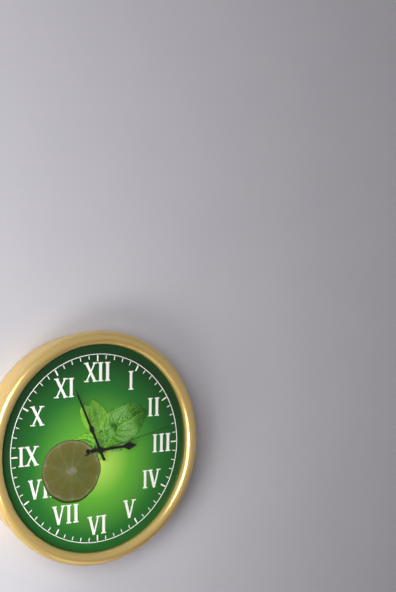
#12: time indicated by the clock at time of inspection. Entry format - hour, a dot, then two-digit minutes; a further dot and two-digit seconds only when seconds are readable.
2.56.13
